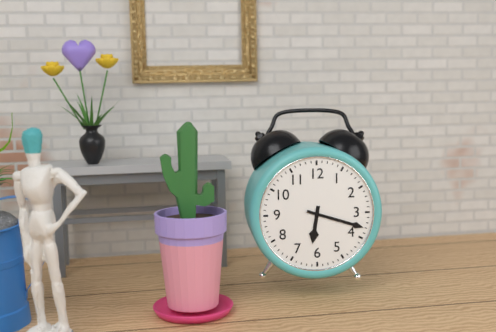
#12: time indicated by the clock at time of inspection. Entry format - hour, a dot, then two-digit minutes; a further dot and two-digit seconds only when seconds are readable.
6.18
